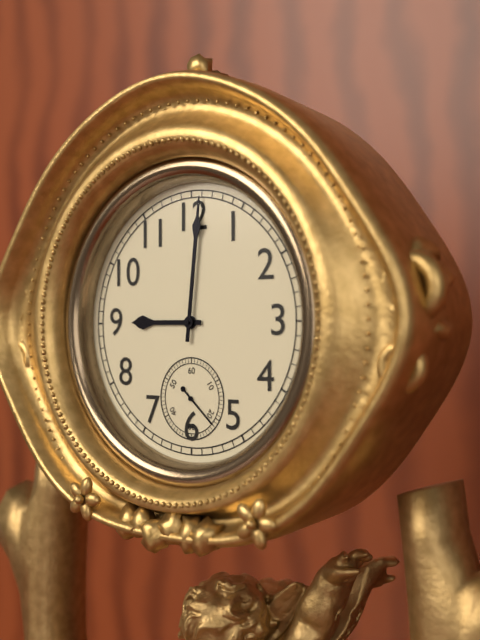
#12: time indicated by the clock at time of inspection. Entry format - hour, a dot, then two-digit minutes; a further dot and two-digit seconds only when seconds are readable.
9.01
